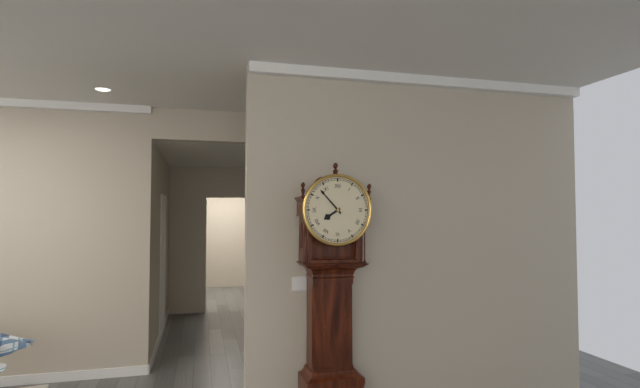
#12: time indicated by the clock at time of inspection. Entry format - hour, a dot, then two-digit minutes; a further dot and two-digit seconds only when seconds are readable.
7.53
